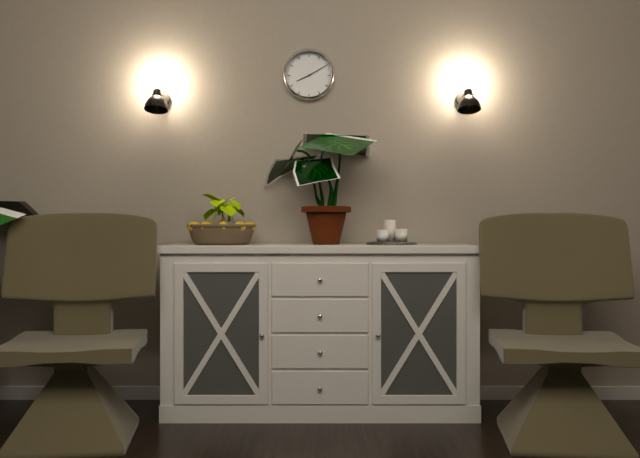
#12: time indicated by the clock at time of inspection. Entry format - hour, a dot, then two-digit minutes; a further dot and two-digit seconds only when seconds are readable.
8.10
